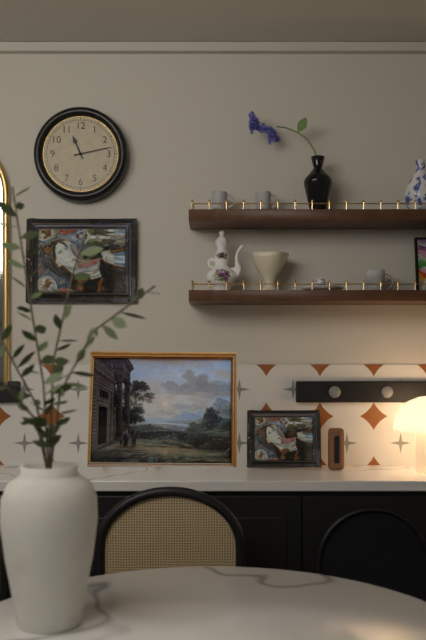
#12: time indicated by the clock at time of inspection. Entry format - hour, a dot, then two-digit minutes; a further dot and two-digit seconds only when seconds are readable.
11.13
